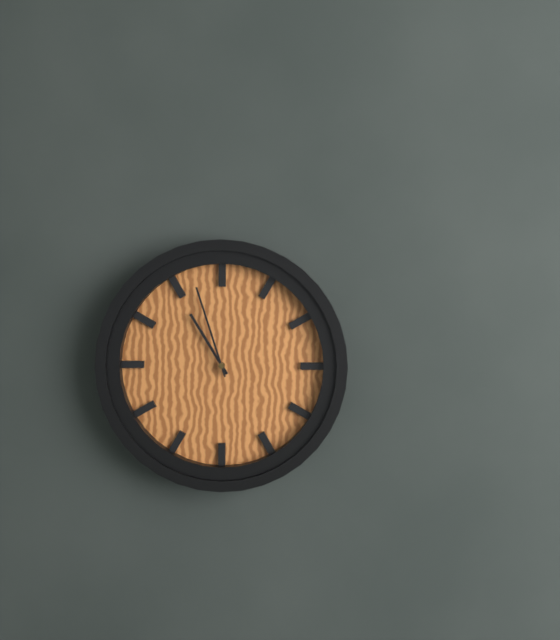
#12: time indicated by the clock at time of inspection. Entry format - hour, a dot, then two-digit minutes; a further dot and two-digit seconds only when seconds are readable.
10.57
